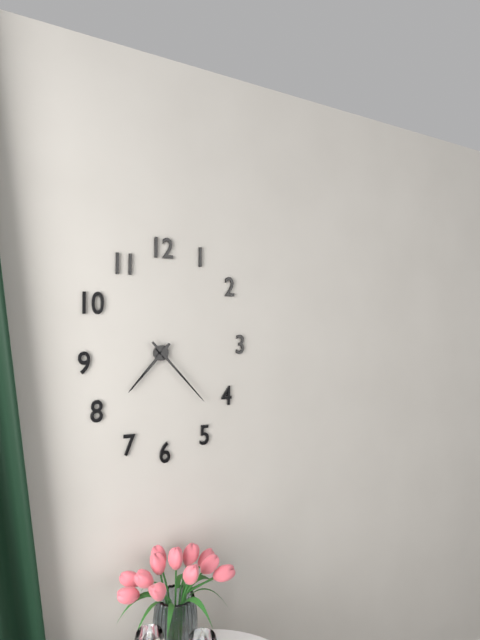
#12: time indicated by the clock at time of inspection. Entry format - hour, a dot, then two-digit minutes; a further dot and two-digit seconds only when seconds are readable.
7.23
